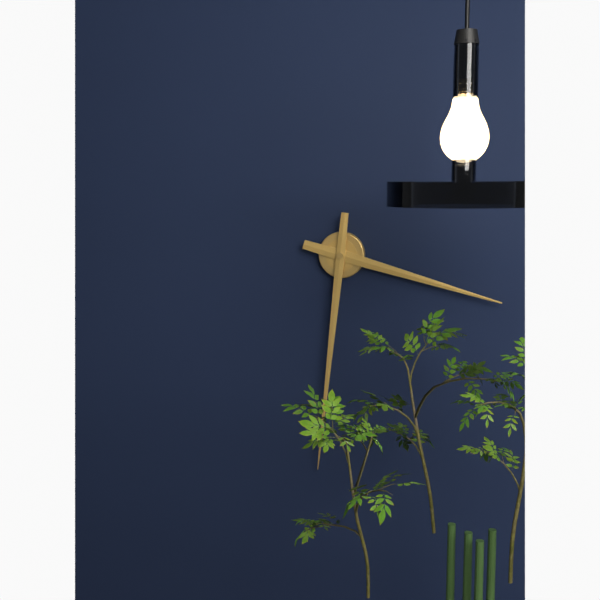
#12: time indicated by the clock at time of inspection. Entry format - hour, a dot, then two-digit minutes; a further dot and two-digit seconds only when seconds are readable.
3.31
